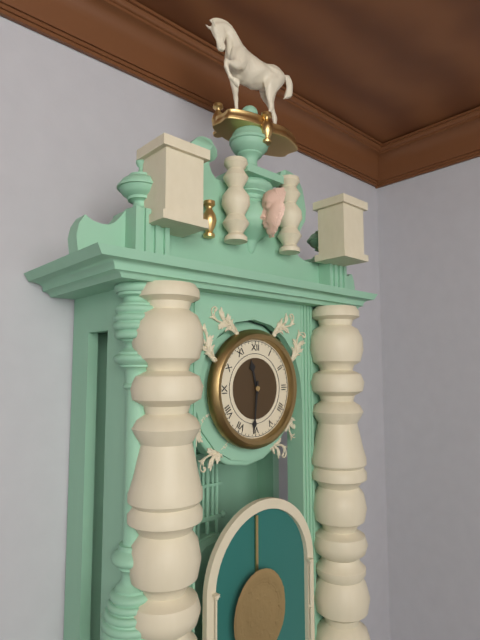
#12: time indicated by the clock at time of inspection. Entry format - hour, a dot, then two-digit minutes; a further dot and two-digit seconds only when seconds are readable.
11.31
